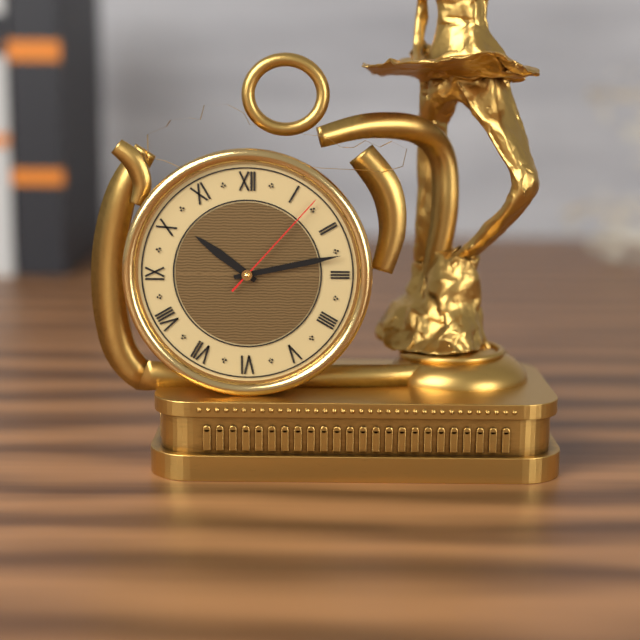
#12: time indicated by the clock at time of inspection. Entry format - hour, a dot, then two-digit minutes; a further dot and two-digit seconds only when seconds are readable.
10.13.07
